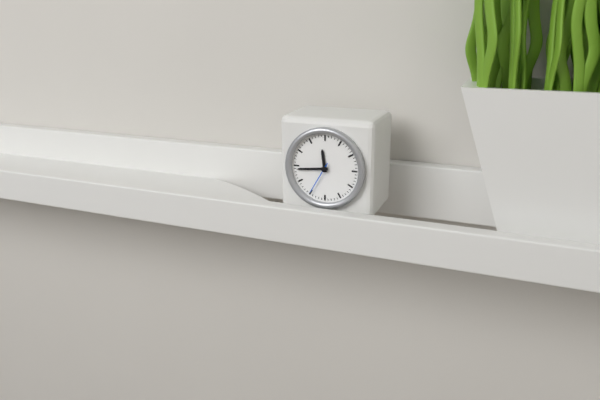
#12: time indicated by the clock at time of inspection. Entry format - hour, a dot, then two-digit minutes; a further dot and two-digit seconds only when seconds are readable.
11.44
